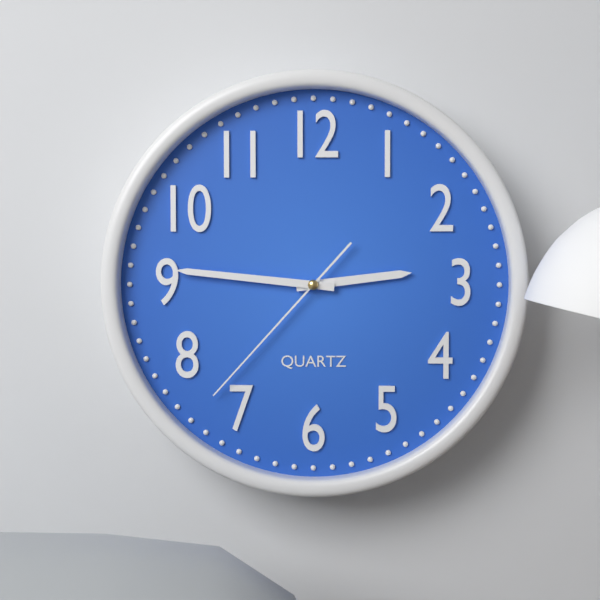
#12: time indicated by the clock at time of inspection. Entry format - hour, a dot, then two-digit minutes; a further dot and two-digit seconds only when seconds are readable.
2.46.37
